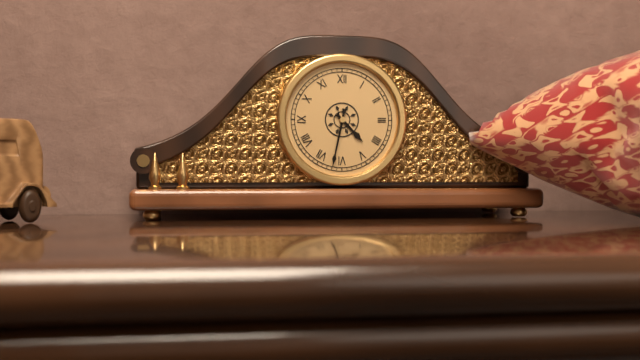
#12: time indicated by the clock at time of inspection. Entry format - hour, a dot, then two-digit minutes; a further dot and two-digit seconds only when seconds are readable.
4.32
